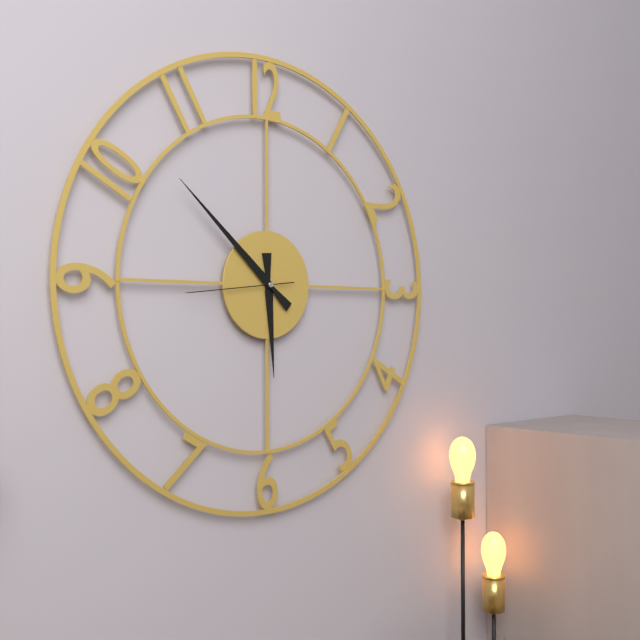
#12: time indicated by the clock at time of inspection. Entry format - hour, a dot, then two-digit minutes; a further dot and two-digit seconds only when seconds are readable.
5.52.44
